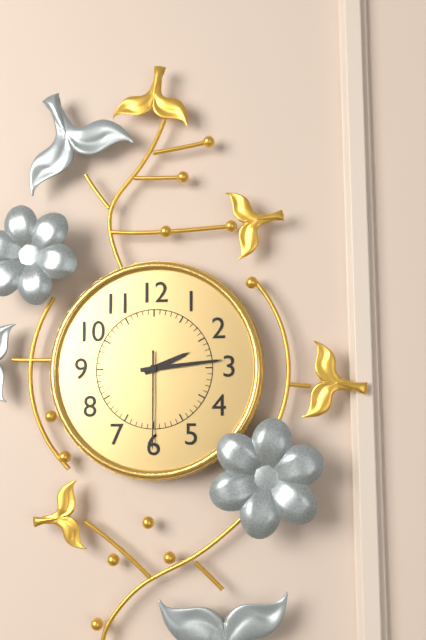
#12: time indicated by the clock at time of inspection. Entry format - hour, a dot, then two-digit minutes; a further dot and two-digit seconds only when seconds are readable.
2.14.30
